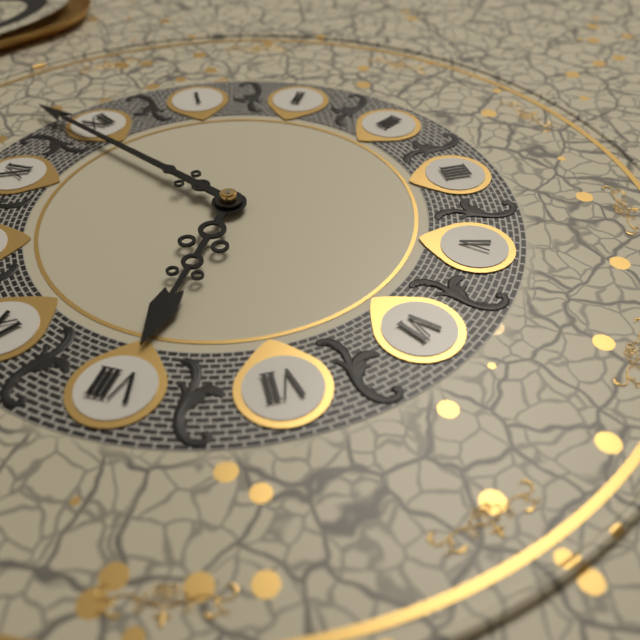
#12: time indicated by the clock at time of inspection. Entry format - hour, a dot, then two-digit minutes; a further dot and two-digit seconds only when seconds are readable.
7.59
